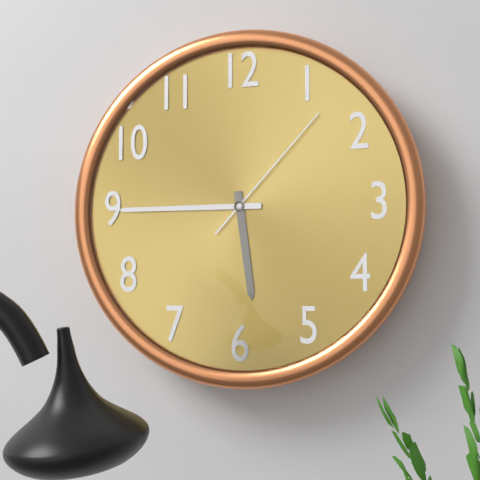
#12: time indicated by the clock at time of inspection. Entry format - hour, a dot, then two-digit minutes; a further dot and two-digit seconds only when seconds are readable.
5.45.07
